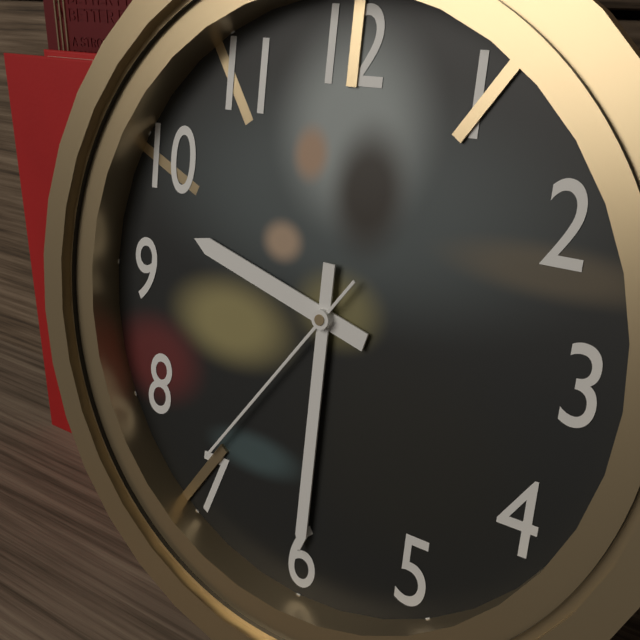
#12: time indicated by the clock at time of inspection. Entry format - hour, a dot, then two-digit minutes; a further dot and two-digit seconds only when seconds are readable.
9.30.36
